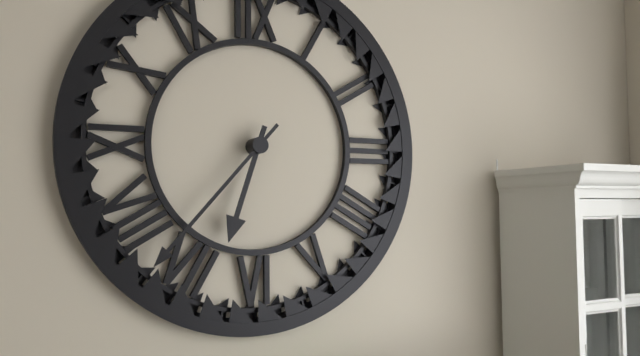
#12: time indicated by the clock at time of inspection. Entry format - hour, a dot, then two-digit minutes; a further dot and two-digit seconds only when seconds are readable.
6.37
